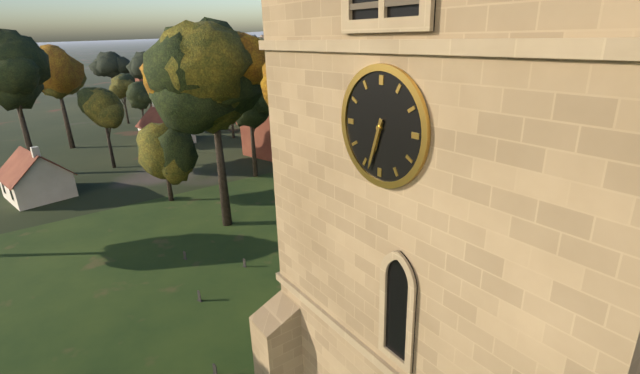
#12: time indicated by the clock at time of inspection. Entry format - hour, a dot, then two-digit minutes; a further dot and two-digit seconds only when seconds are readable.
6.33
